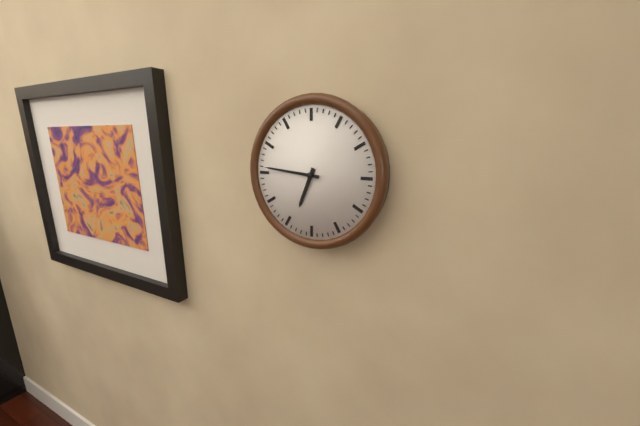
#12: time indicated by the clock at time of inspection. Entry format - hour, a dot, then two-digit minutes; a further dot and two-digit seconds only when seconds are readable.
6.46
